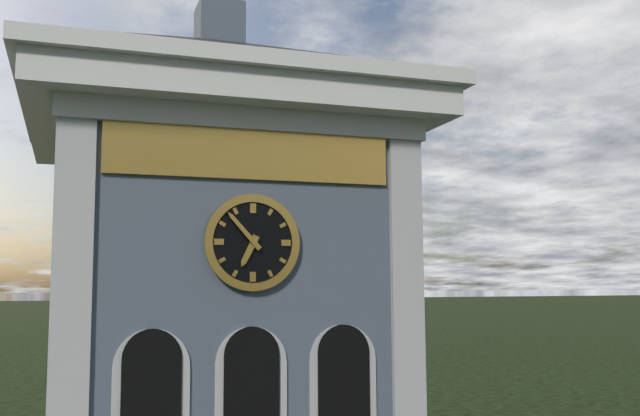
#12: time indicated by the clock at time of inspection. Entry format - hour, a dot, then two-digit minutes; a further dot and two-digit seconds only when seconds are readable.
6.53
